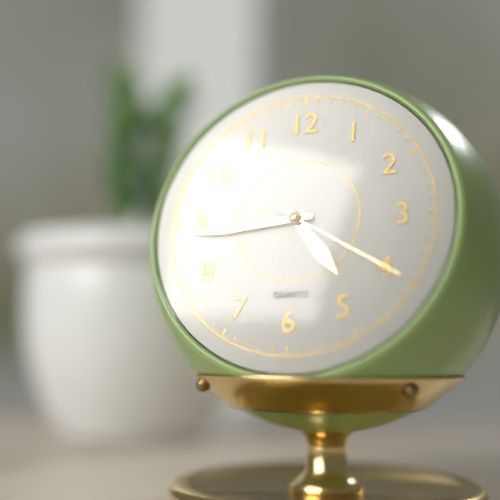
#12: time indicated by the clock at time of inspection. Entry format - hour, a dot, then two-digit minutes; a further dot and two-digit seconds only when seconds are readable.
4.44.20
